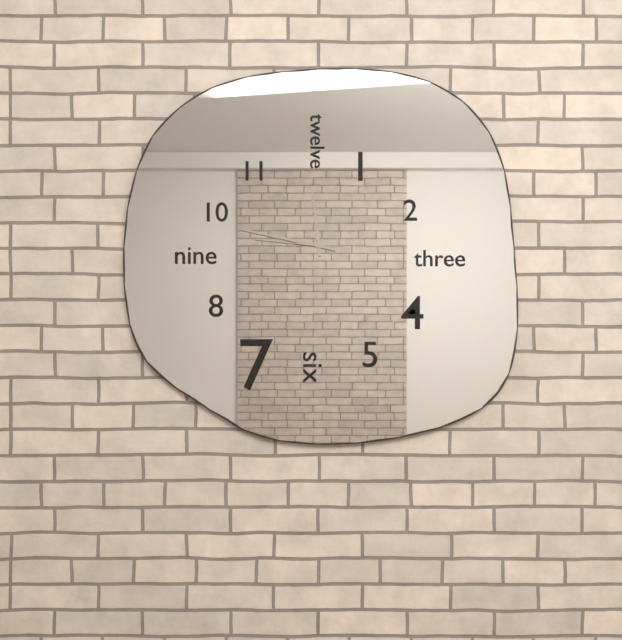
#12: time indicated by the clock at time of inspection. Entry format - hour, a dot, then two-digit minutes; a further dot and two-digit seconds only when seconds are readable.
11.47.46
